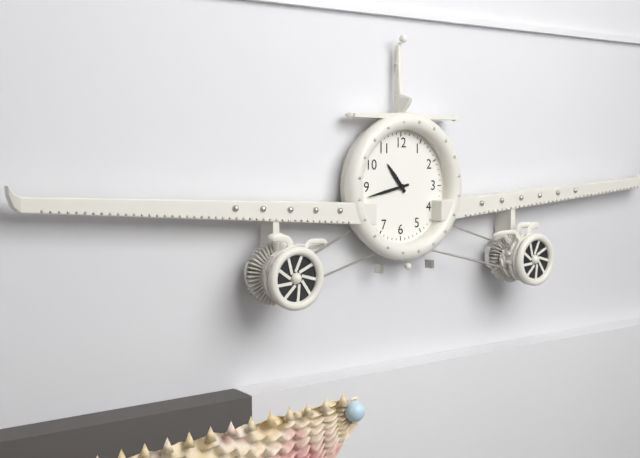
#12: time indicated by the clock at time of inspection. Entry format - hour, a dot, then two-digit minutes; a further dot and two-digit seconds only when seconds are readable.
10.43
